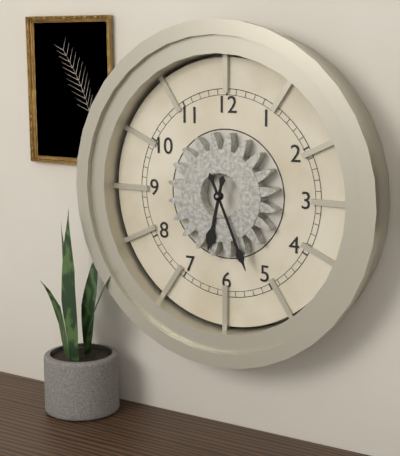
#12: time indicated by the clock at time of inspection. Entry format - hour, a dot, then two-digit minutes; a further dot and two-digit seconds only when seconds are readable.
6.26
